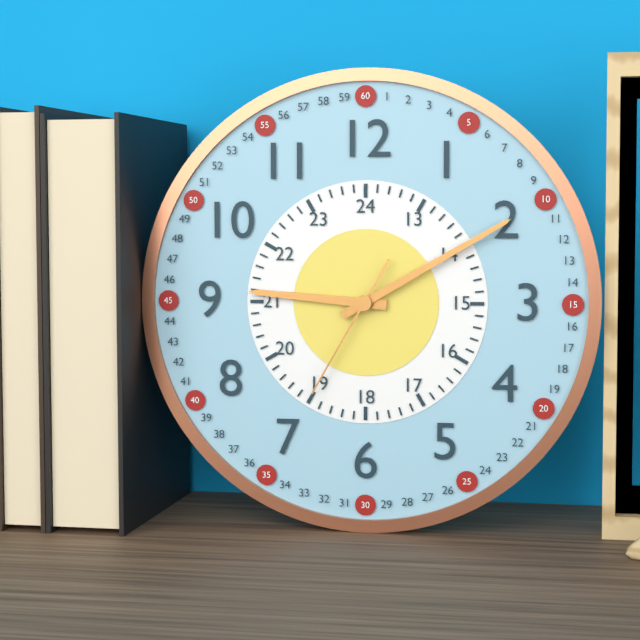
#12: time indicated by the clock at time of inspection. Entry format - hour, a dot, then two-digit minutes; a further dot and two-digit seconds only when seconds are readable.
9.10.35
